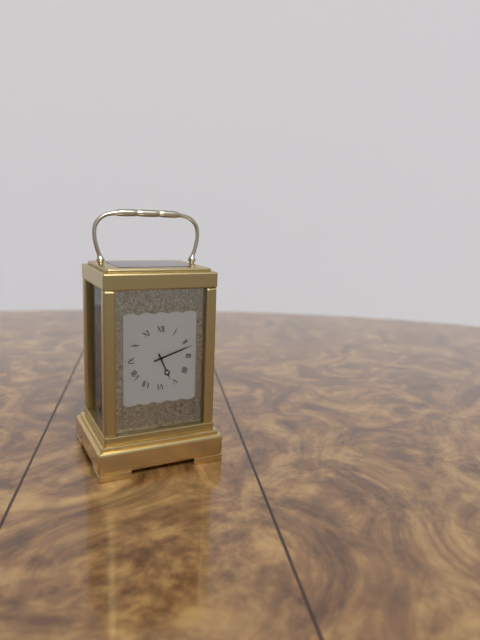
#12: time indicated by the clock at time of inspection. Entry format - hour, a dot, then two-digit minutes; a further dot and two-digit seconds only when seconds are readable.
5.12
